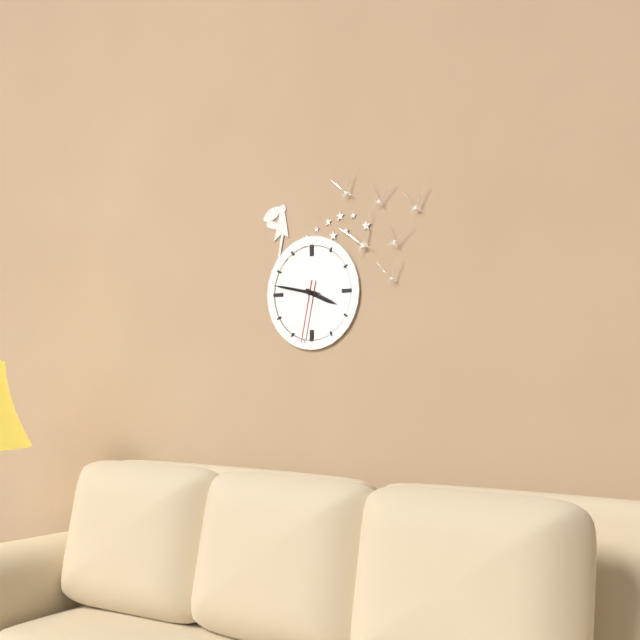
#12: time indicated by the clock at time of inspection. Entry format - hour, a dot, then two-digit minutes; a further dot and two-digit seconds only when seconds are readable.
3.47.32
